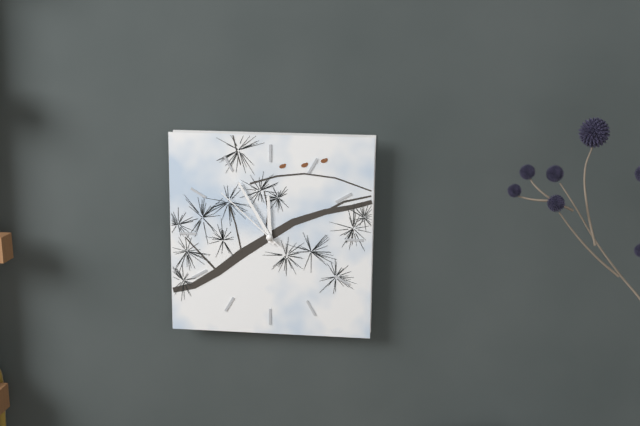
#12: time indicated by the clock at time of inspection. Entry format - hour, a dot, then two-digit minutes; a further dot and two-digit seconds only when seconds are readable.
11.55.52
